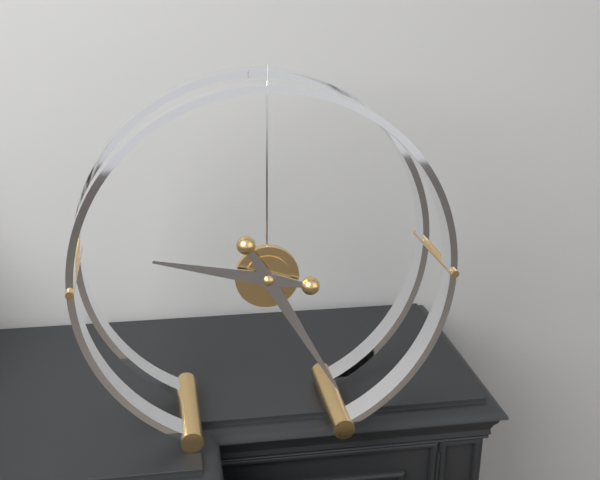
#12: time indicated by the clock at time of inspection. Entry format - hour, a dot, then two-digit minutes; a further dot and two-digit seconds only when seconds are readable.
9.25
